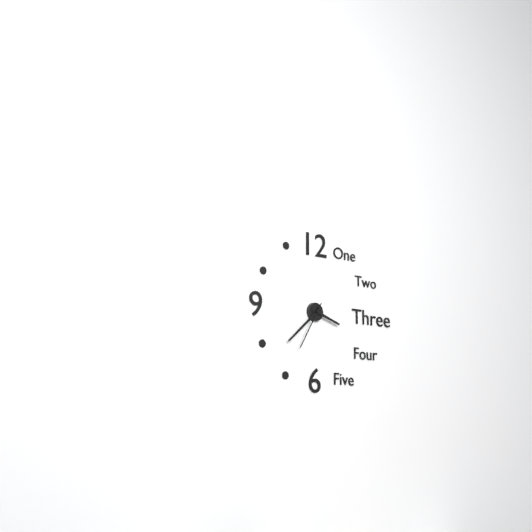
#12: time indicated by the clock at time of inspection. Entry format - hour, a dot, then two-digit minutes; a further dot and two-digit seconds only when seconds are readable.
3.38.35
